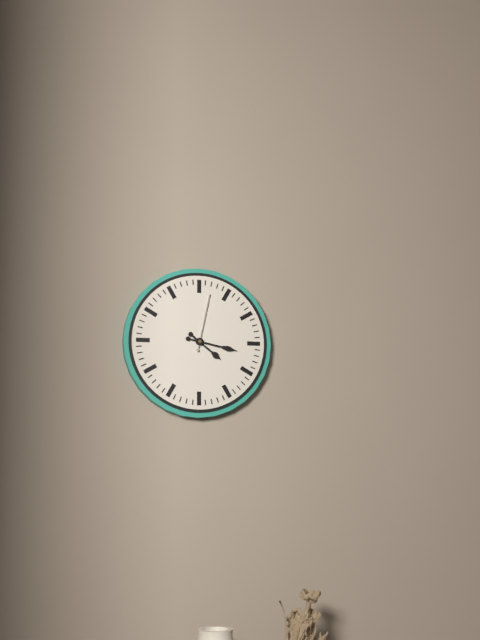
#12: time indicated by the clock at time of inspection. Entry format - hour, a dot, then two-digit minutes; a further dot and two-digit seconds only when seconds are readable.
4.17.02
